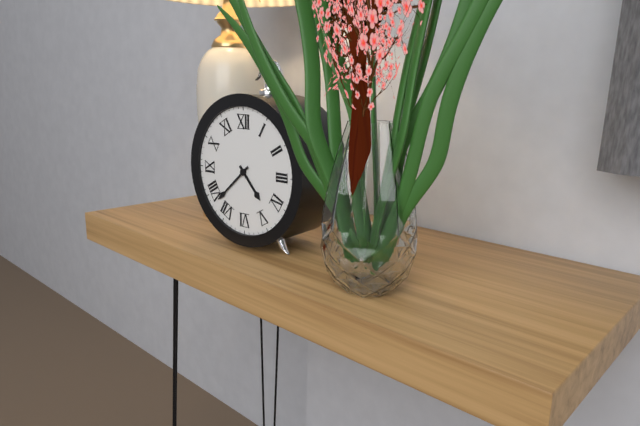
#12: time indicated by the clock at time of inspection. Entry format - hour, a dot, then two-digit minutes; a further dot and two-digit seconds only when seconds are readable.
4.38
